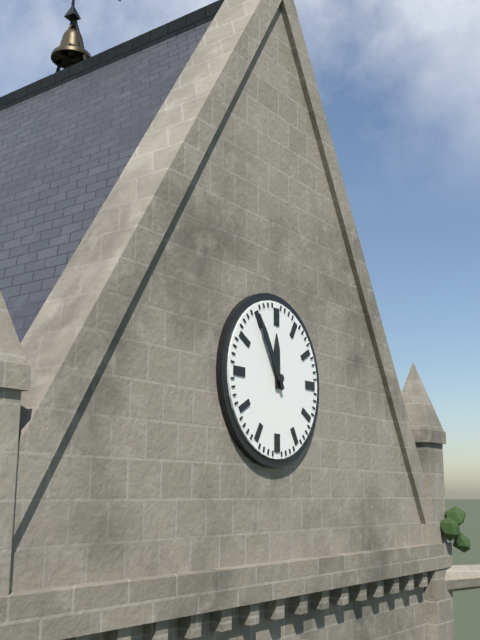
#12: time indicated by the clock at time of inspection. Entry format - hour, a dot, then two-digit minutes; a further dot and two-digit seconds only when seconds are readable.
11.55
